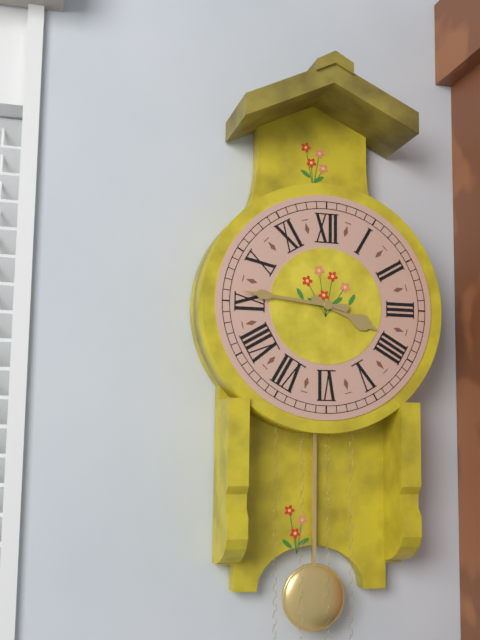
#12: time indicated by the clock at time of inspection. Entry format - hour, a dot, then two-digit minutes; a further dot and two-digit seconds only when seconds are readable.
3.46
